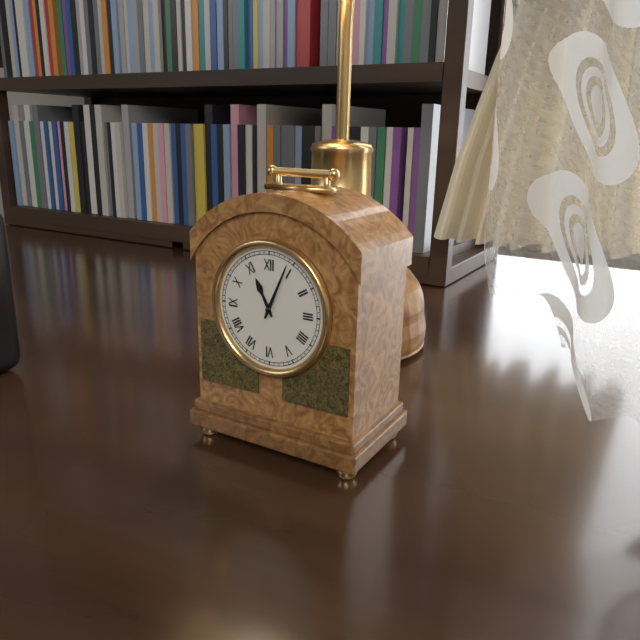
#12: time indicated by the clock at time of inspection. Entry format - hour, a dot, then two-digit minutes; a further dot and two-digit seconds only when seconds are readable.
11.04
